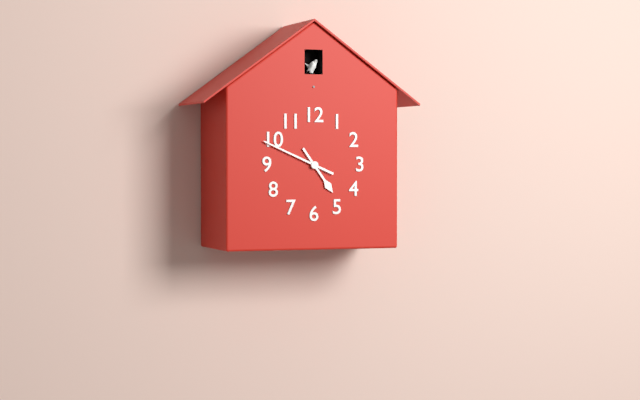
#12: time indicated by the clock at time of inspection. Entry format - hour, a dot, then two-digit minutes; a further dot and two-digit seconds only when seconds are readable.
4.49
